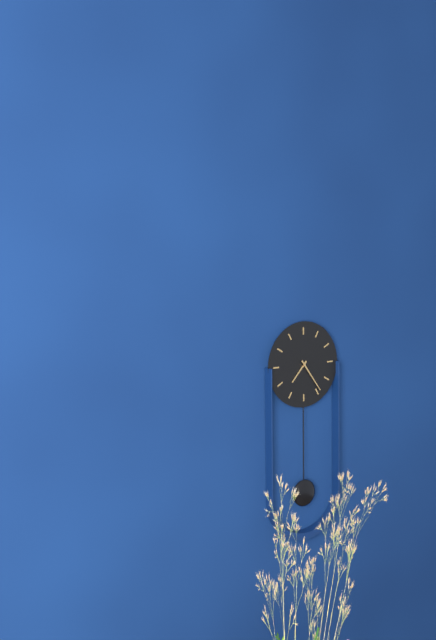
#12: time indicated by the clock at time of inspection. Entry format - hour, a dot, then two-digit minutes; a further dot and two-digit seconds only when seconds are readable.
7.24
